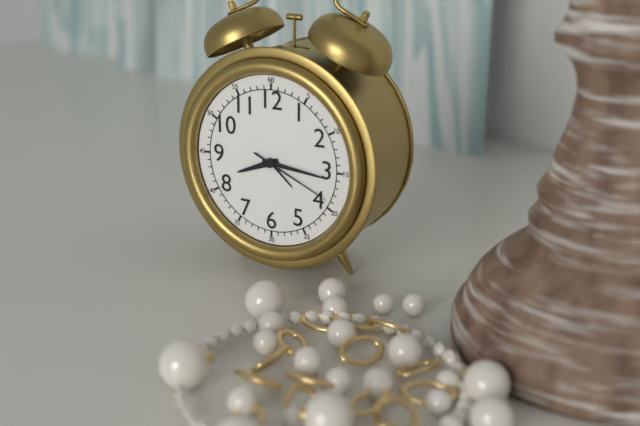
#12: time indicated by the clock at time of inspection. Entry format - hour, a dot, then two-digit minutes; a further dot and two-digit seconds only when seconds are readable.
8.16.19
